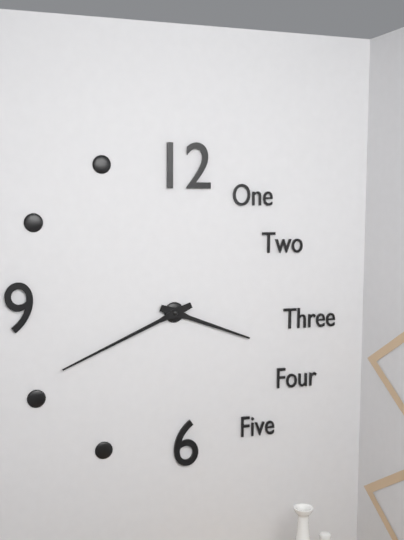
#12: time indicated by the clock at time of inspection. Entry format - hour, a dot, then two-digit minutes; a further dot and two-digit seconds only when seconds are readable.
3.41
